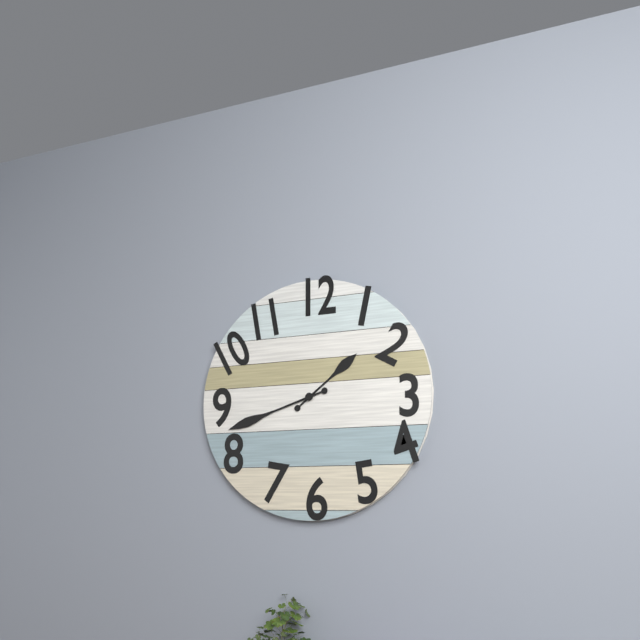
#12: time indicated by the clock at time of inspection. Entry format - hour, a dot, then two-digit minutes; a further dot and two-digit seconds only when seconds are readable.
1.42
